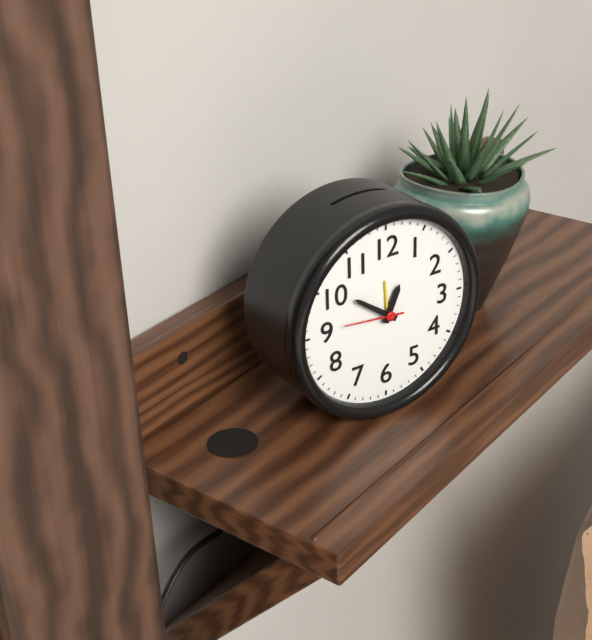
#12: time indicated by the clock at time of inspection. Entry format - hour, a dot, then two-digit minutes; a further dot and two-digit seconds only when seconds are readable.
12.51.46
